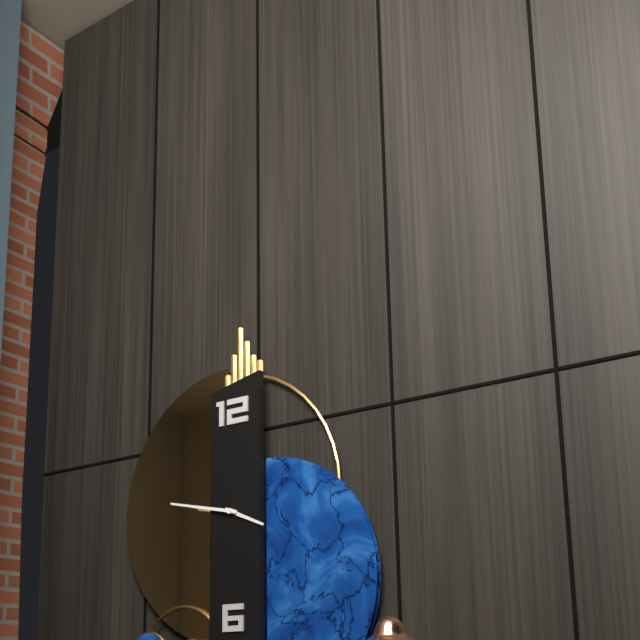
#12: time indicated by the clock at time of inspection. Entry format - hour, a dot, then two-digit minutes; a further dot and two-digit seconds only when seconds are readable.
3.47
